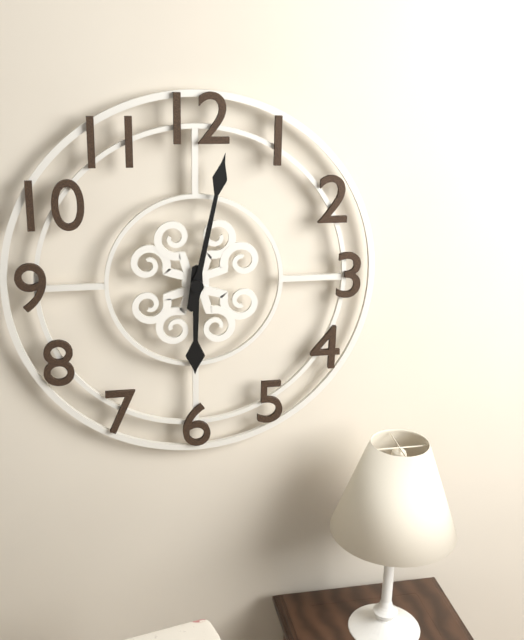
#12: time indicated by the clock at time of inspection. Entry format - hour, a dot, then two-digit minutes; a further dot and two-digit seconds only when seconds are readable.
6.02
